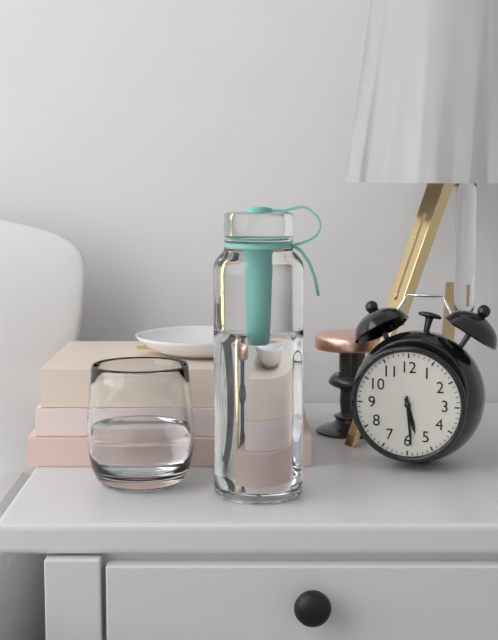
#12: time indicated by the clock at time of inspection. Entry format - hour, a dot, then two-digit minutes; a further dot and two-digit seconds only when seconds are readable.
5.29
